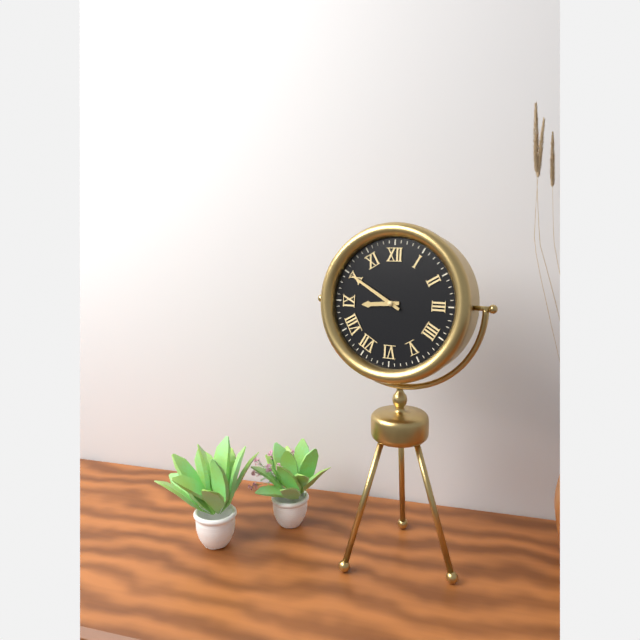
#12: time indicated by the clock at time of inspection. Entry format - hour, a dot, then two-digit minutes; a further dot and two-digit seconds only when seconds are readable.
8.50
